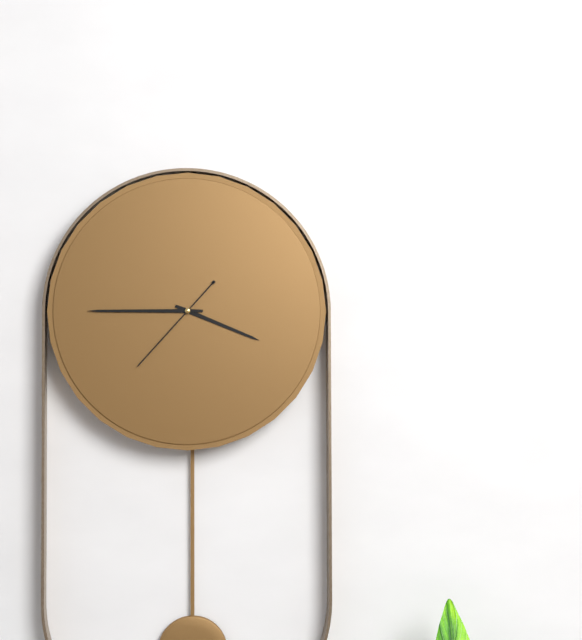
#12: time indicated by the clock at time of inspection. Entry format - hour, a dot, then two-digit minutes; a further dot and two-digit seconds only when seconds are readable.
3.45.37
